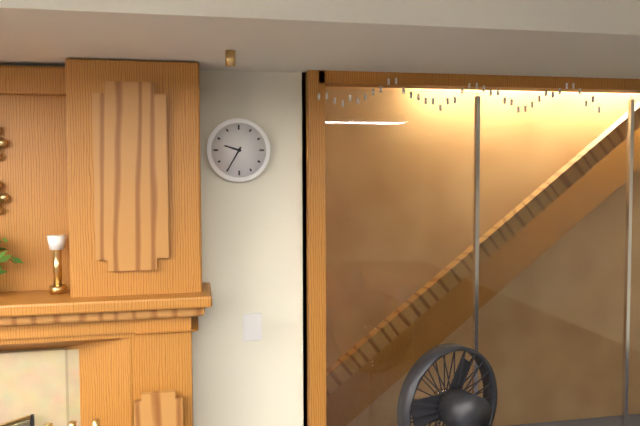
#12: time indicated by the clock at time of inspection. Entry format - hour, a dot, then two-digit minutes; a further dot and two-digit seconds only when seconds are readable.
9.35
